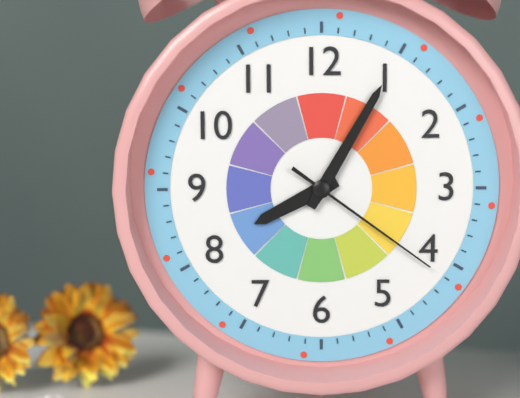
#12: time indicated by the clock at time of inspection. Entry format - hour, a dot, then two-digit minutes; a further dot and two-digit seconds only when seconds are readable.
8.05.21
